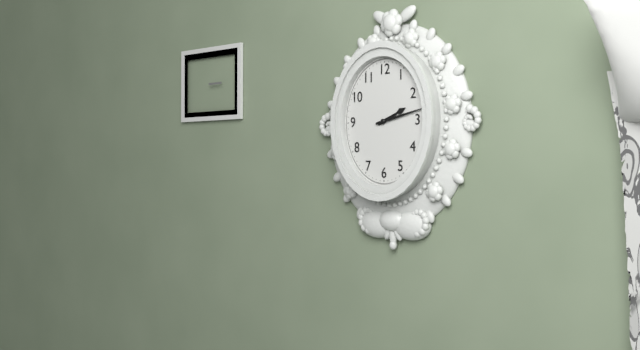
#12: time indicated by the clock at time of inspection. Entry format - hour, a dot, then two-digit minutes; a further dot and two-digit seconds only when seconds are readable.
2.13
